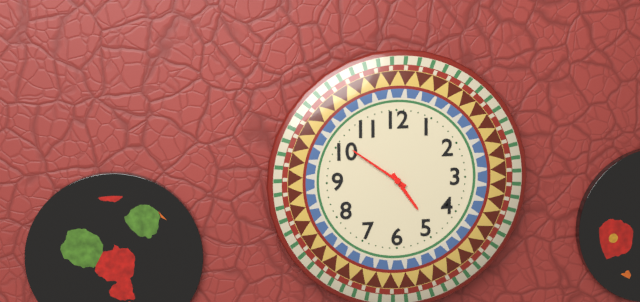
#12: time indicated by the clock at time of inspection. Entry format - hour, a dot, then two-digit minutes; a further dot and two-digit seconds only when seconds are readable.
4.51
